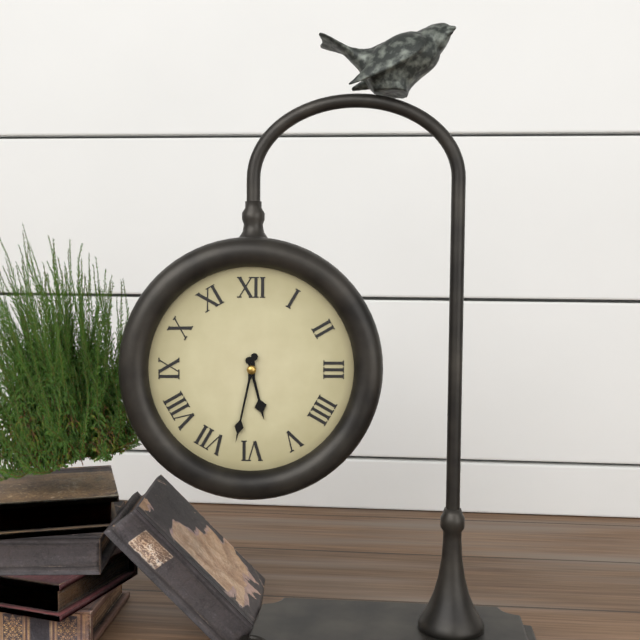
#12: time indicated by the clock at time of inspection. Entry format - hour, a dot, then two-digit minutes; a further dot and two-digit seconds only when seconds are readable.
5.32
